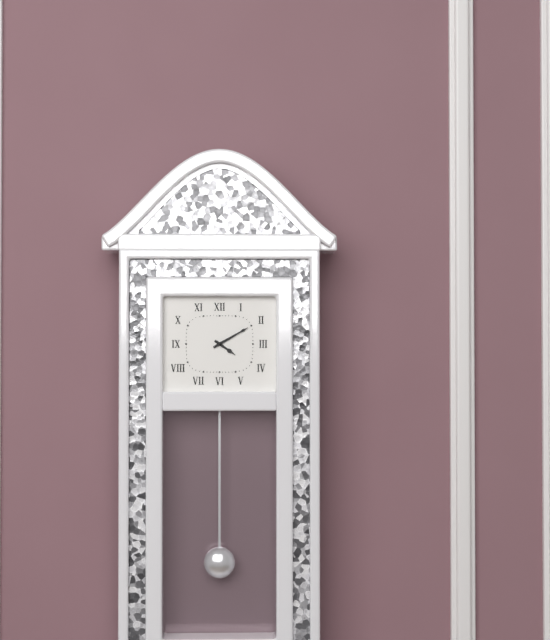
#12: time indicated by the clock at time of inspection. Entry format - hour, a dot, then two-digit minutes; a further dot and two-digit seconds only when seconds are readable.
4.10
